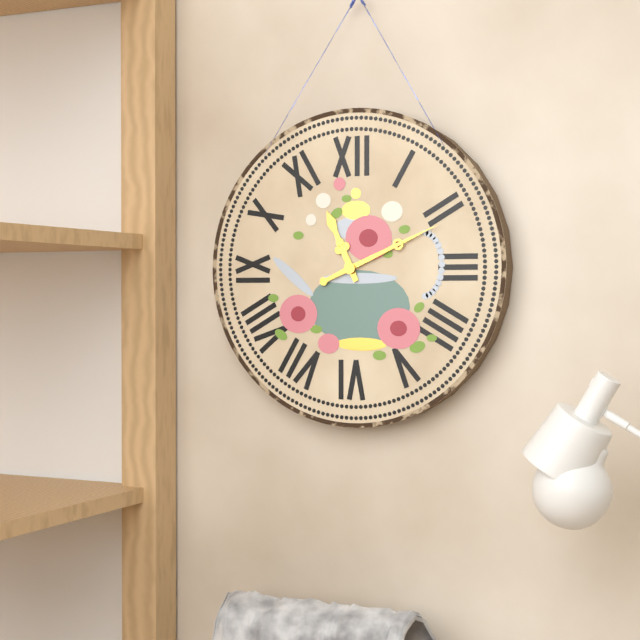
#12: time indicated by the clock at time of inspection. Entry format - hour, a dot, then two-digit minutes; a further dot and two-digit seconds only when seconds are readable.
11.11
